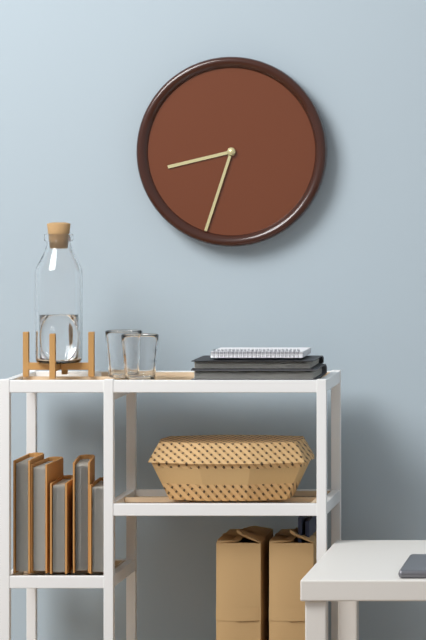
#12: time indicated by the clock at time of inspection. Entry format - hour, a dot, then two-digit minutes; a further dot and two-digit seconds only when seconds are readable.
8.33
